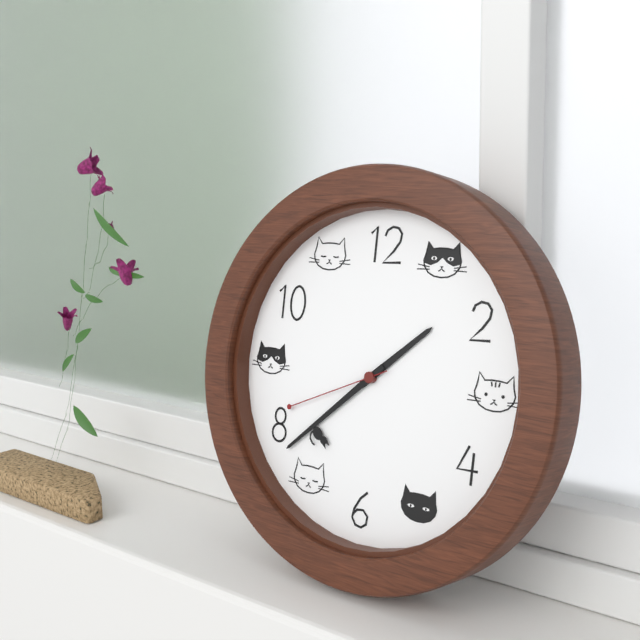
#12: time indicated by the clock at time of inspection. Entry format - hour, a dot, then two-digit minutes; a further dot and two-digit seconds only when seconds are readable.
1.38.41
